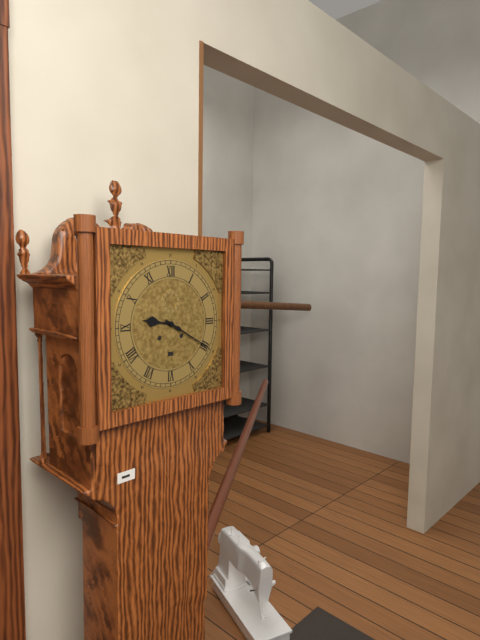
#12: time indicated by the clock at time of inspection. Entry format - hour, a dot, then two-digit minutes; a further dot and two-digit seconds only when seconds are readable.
9.20
